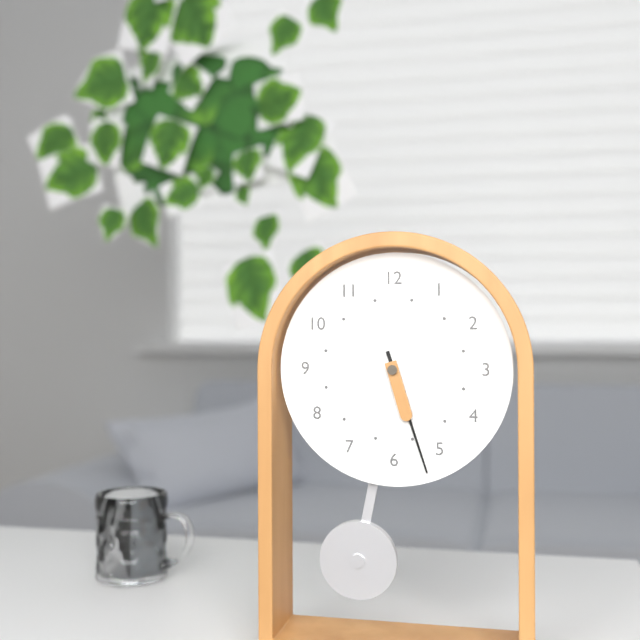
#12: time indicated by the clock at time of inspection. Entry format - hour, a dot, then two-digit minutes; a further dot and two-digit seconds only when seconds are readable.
5.27
